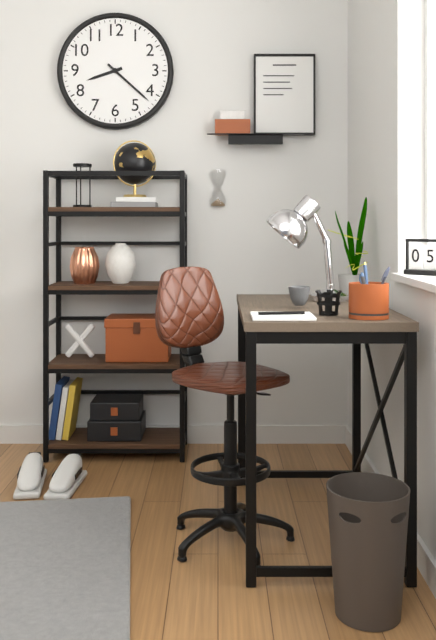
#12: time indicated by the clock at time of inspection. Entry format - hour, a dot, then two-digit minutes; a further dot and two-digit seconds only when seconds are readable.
8.22
